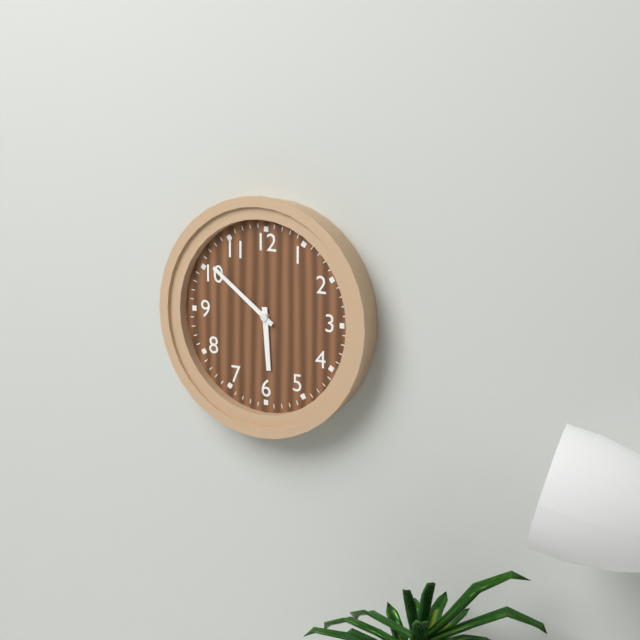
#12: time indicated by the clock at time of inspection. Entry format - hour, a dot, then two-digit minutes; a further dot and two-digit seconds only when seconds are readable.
5.51
